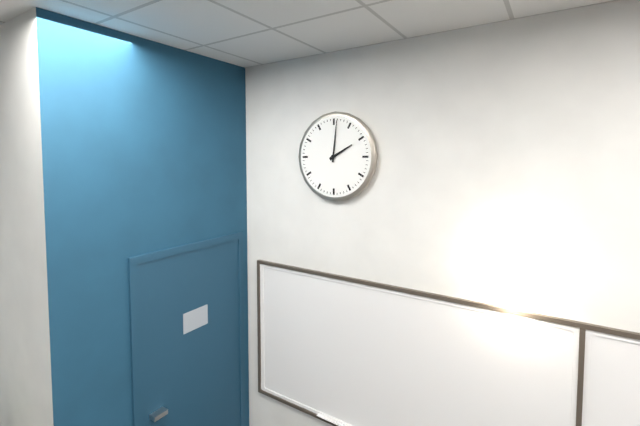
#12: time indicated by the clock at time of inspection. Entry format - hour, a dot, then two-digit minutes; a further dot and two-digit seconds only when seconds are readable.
2.01
